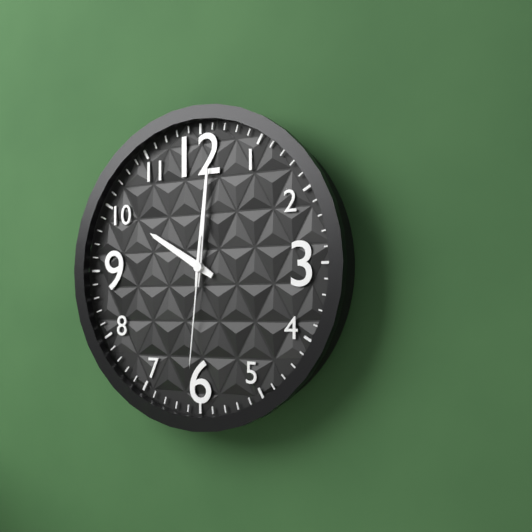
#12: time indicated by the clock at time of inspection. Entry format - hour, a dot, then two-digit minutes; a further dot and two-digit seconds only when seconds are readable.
10.01.31
